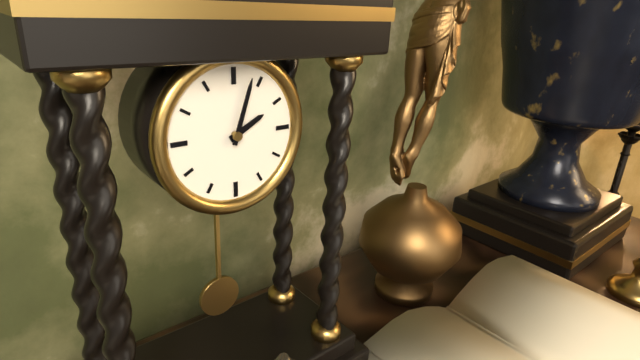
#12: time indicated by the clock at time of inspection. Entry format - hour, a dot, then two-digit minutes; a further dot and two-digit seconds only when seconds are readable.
2.03
